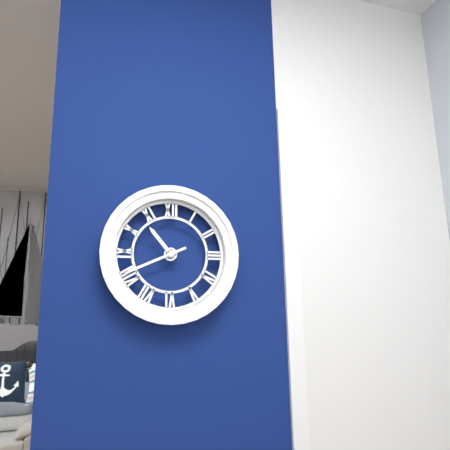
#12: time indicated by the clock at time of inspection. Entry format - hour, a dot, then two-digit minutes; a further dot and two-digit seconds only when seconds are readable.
10.41
